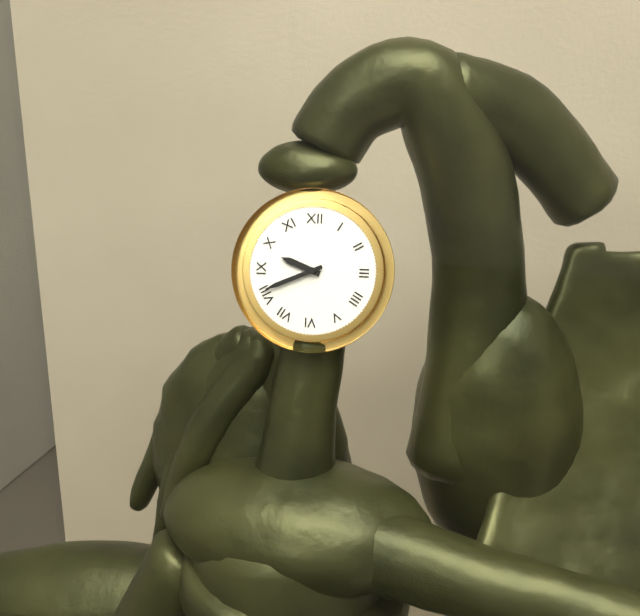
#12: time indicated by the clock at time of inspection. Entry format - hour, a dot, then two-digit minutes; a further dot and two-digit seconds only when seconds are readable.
9.41
